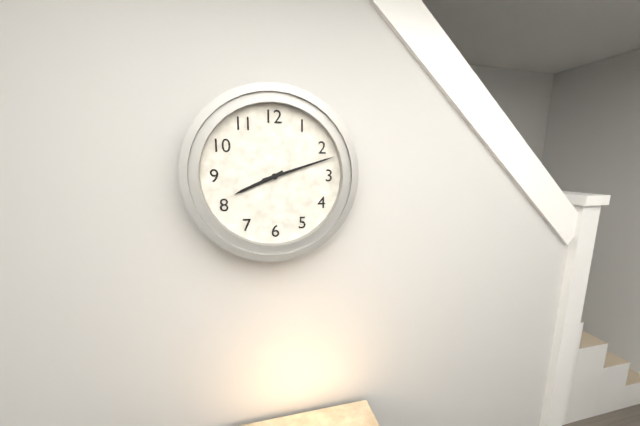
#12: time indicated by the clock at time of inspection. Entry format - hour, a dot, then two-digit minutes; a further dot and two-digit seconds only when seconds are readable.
8.12
